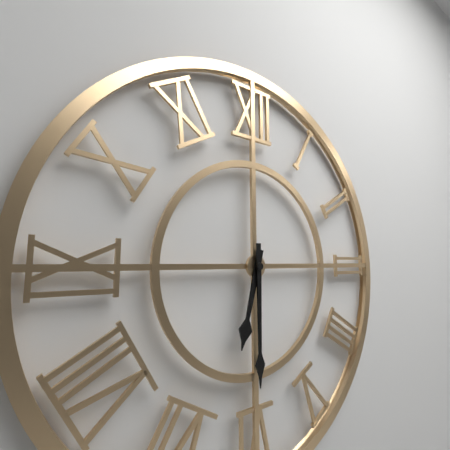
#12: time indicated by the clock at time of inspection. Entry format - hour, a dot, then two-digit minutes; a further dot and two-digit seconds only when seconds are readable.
6.30
